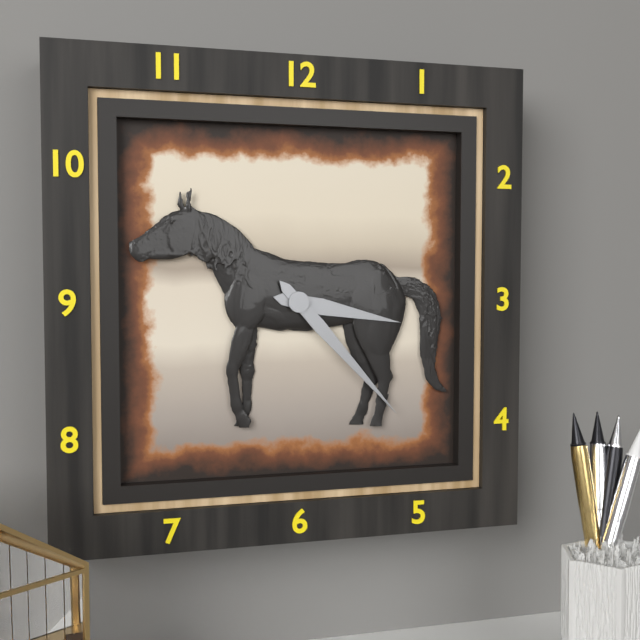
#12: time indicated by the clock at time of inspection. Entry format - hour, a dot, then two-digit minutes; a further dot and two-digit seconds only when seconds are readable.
3.23
